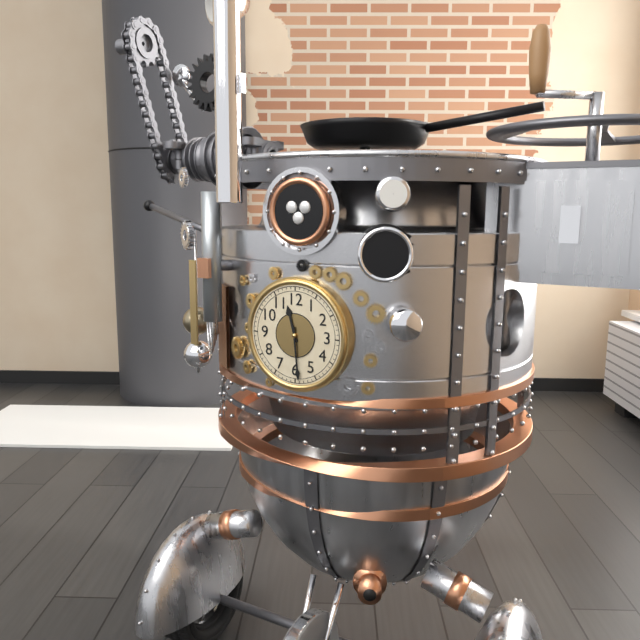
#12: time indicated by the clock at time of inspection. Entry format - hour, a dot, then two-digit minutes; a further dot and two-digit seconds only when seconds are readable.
11.29
